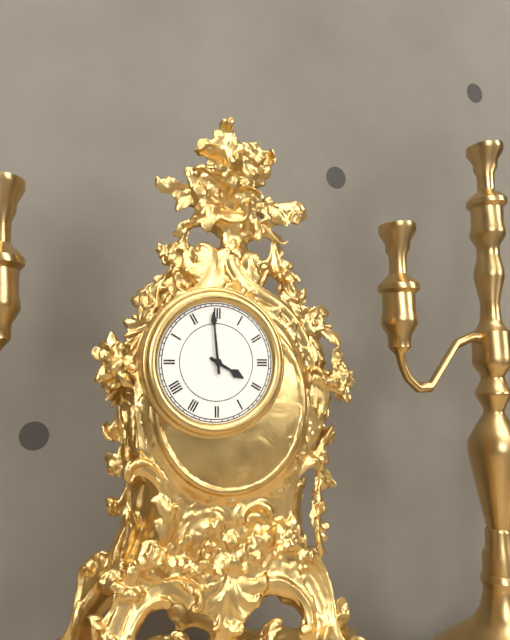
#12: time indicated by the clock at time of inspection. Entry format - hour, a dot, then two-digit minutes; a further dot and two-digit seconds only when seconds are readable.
3.59
